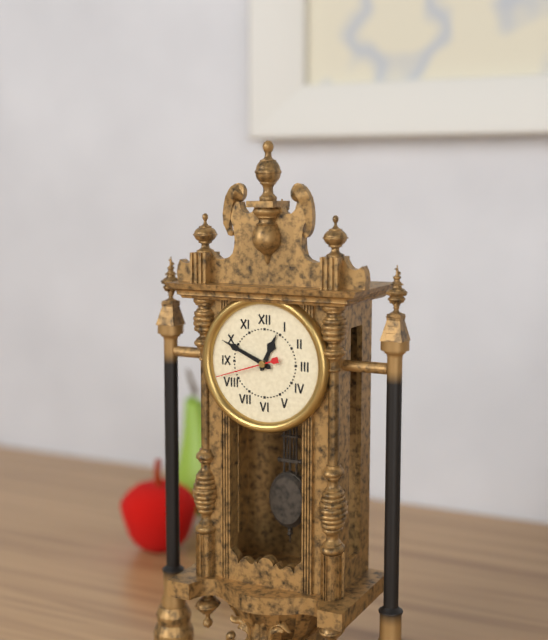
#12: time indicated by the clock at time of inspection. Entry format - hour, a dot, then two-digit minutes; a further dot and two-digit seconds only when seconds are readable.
12.49.42
